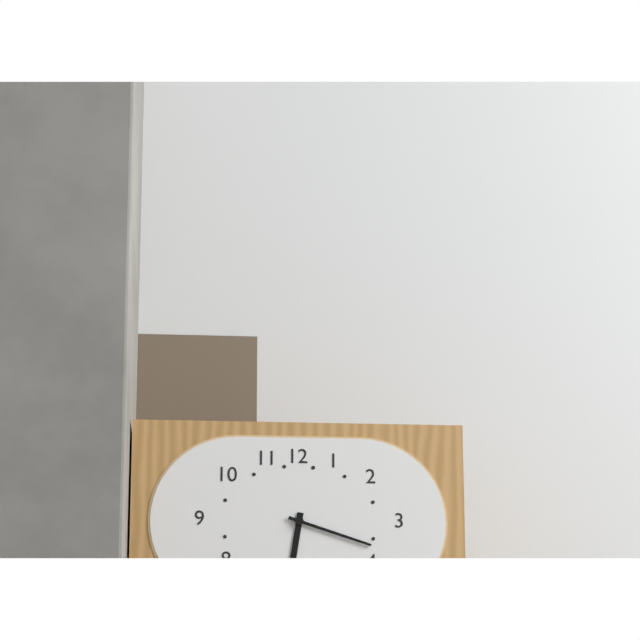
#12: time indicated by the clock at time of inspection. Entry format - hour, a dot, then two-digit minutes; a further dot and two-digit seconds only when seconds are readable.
6.18
